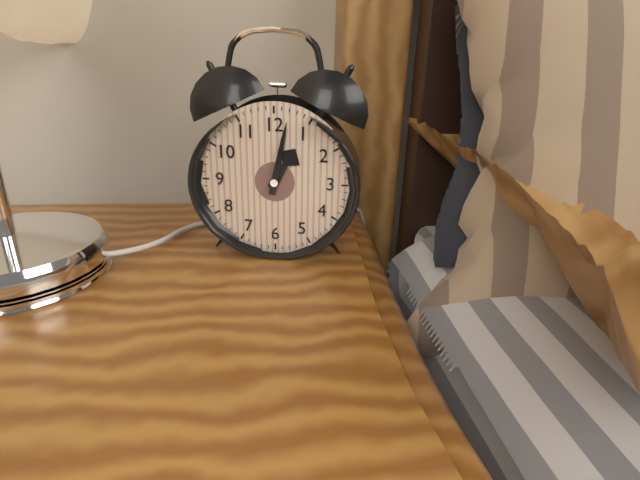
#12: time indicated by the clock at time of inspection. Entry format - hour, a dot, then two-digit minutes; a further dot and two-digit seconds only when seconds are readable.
1.02
